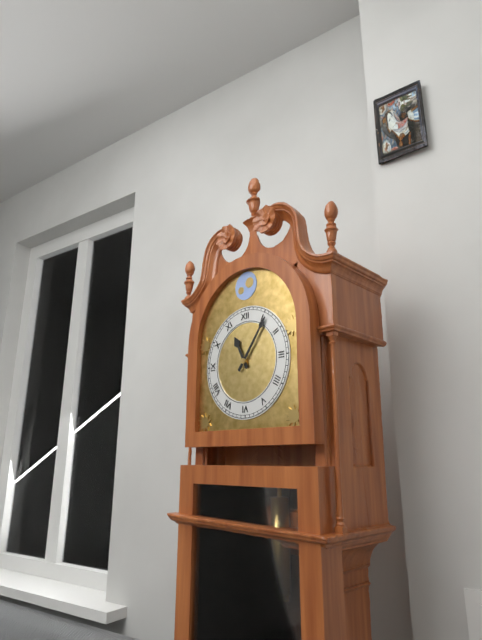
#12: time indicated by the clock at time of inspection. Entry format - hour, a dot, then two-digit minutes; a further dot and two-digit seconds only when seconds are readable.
11.06
